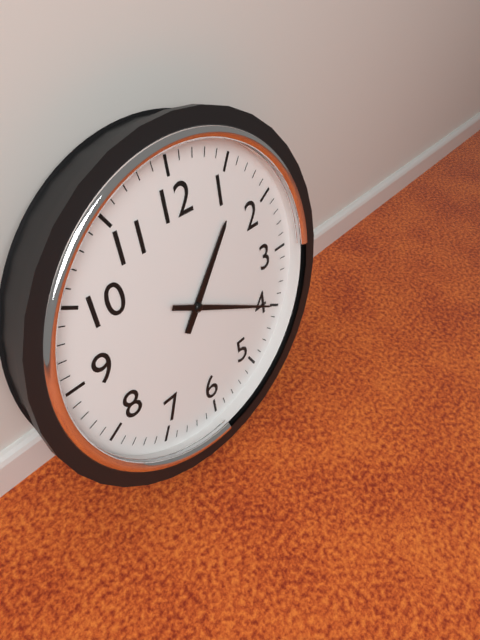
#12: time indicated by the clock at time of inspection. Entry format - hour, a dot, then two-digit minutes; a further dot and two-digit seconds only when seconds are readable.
1.20
